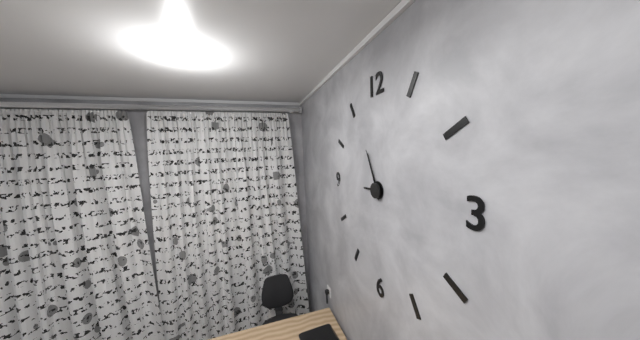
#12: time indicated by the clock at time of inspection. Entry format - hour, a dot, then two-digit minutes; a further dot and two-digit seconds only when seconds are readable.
8.56.56
